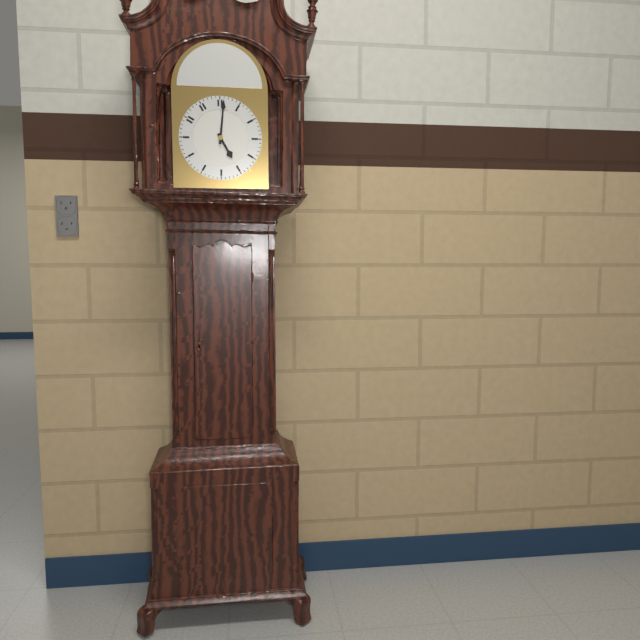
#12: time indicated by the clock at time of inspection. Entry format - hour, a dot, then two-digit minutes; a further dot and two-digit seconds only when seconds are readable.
5.01
